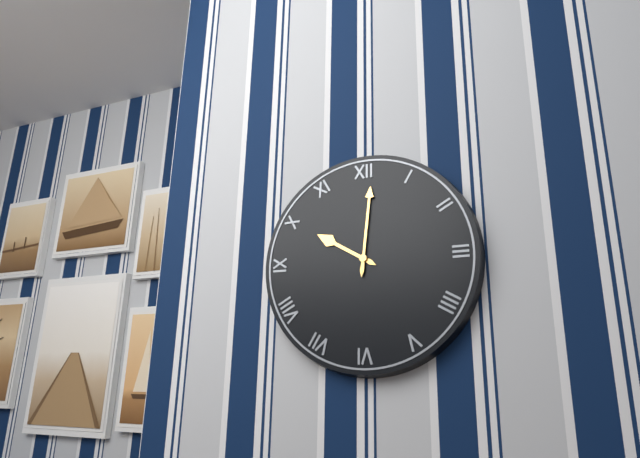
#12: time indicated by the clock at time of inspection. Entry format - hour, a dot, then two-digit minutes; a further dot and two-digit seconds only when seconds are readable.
10.01
